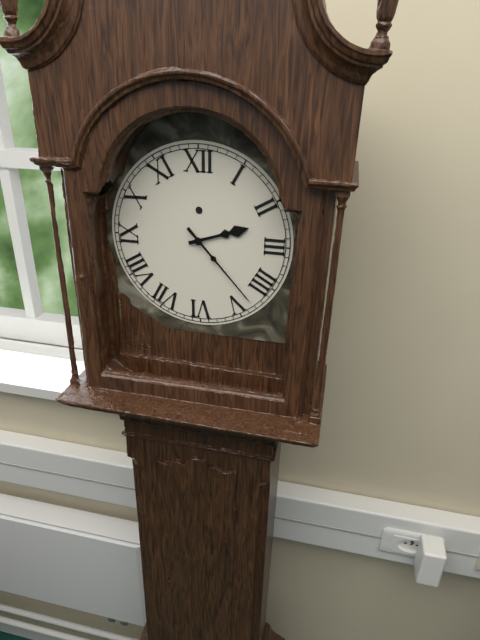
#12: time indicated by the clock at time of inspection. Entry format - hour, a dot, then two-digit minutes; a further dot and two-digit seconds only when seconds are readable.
2.23
